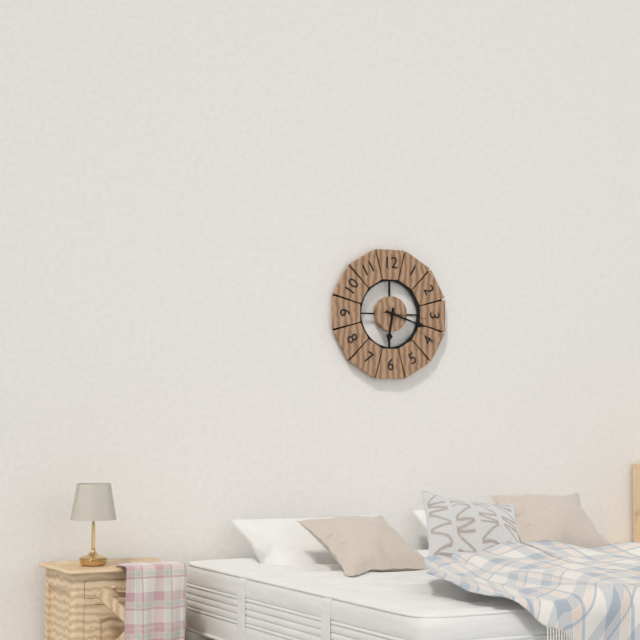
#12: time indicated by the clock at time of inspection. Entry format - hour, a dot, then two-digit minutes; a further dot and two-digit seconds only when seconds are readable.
6.18
